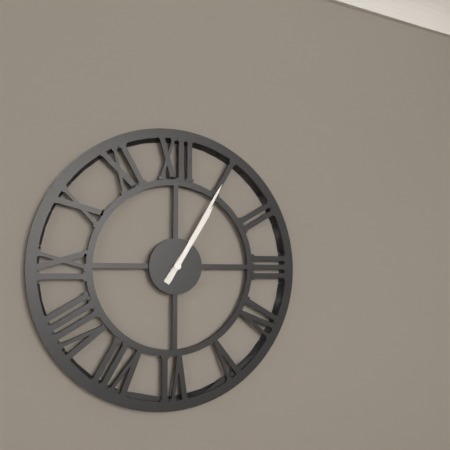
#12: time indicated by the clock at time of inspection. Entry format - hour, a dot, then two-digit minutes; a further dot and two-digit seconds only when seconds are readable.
1.05
